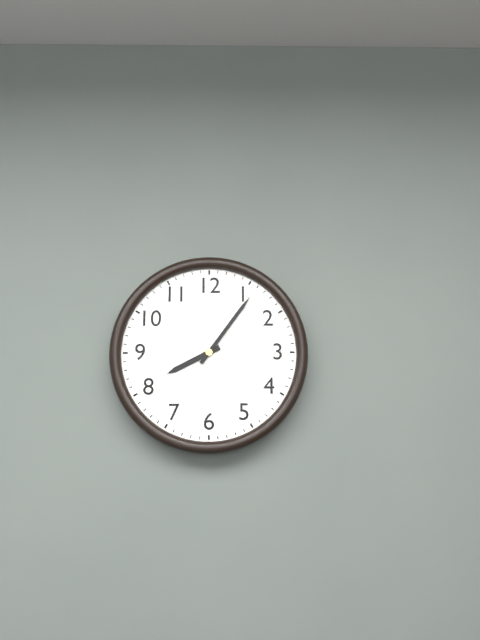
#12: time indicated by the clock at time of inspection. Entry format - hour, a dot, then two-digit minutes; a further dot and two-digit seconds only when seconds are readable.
8.06
